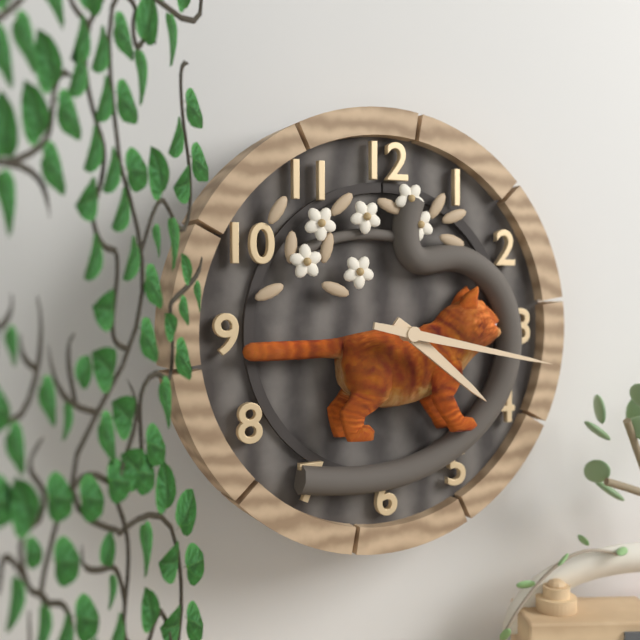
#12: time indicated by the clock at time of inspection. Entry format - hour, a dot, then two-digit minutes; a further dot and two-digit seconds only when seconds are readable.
4.17
